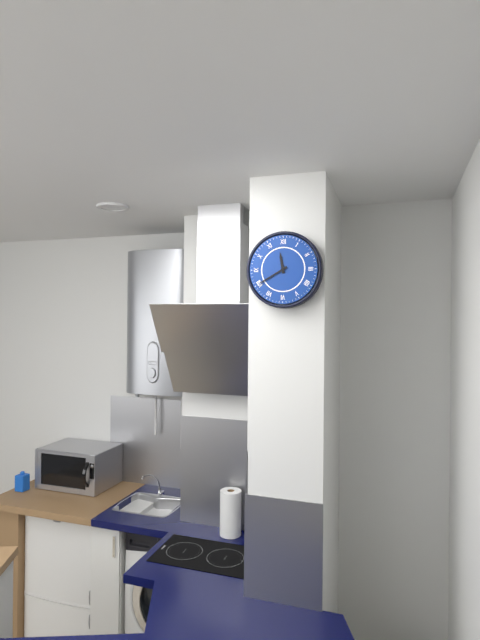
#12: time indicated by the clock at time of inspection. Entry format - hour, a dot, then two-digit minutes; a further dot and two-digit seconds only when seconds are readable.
11.40
